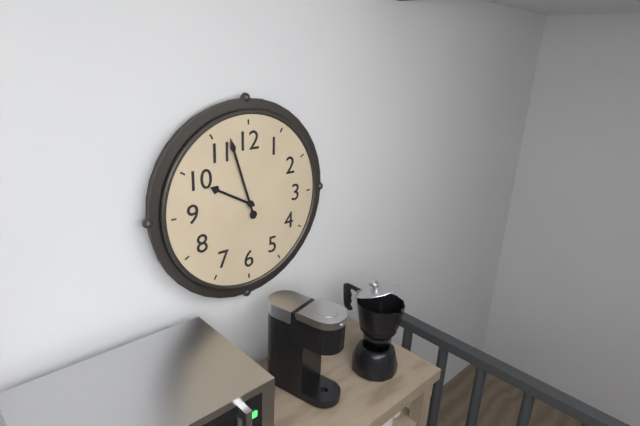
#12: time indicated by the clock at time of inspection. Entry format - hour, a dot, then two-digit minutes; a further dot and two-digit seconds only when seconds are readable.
9.57
